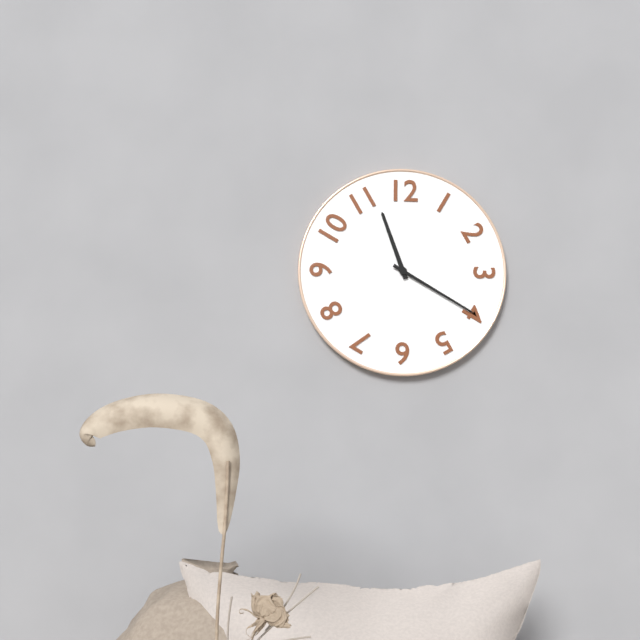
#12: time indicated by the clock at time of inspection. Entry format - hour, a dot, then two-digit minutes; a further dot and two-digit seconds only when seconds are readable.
11.20
